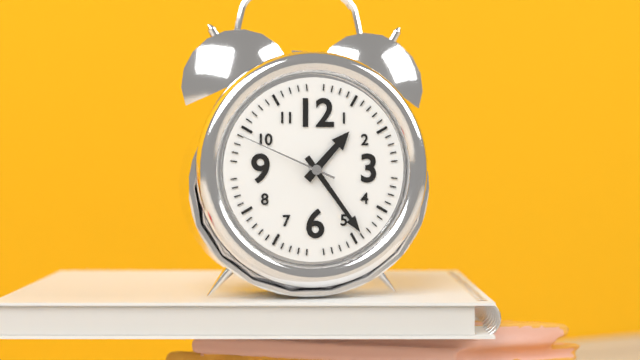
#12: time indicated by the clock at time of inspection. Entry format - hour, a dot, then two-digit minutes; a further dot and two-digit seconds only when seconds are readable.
1.24.49
